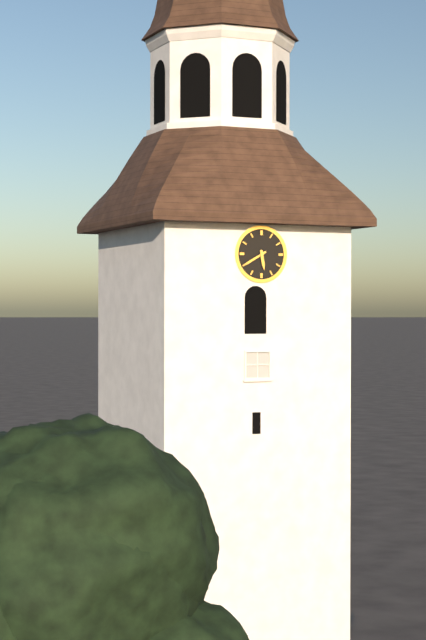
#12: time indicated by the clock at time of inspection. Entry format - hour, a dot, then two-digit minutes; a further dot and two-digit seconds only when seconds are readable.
5.40
